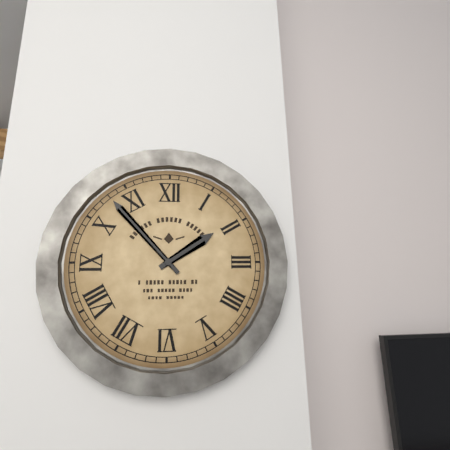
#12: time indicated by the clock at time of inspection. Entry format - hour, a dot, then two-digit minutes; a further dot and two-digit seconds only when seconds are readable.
1.53
